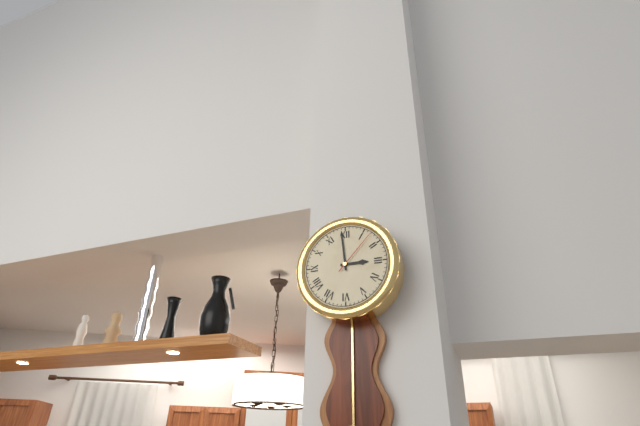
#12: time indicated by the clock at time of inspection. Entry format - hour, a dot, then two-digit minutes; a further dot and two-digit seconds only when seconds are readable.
2.59
